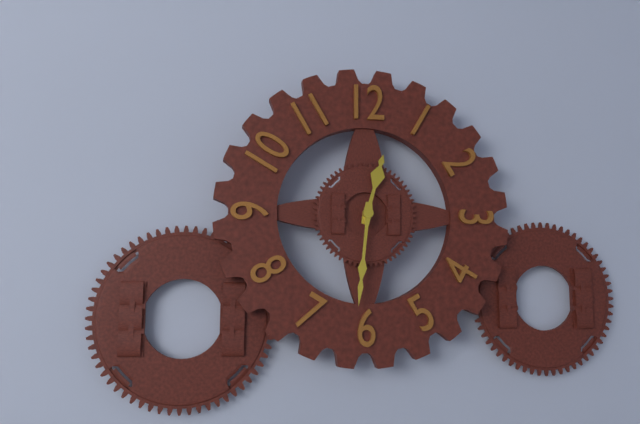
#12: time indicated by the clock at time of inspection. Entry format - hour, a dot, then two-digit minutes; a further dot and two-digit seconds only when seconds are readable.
12.31
